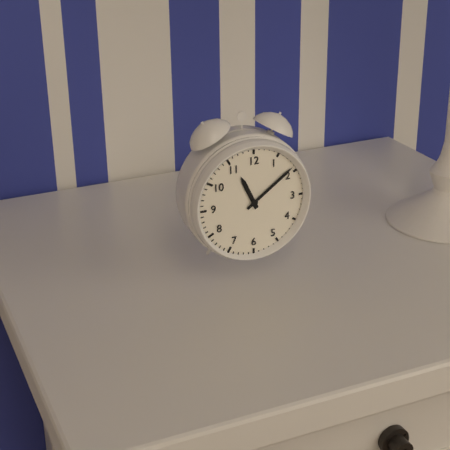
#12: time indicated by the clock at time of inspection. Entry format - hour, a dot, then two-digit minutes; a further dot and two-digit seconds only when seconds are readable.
11.09
